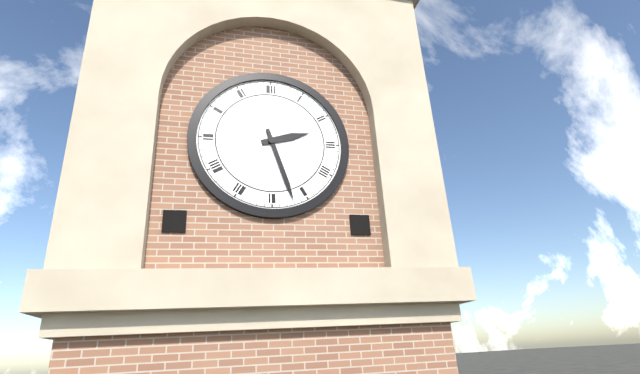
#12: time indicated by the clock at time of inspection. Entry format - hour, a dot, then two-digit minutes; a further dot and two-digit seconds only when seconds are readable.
2.27
